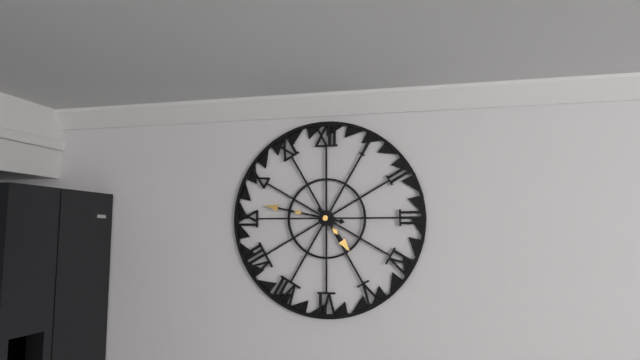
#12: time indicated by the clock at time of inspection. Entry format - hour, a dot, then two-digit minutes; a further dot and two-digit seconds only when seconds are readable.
4.47
